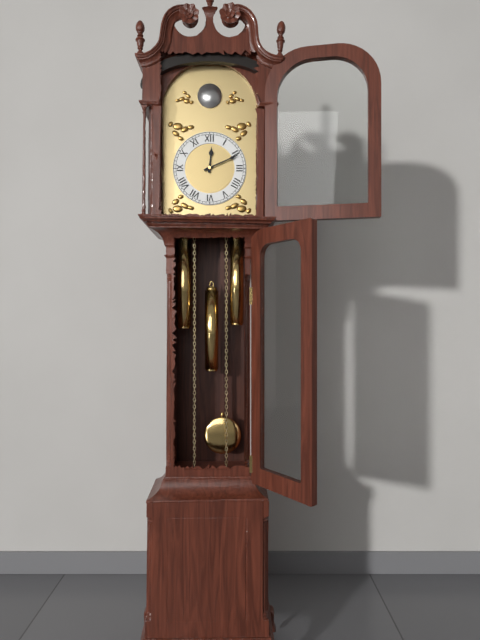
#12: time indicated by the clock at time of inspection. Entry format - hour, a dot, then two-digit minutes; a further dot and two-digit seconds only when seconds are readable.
12.11
